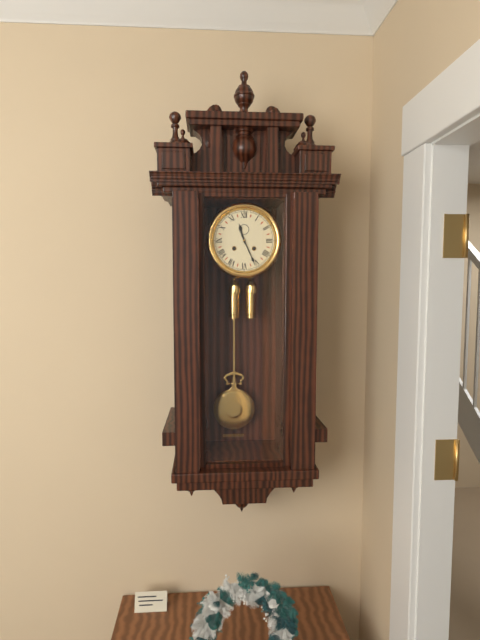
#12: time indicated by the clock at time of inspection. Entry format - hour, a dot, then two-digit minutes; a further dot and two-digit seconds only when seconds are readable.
11.26
